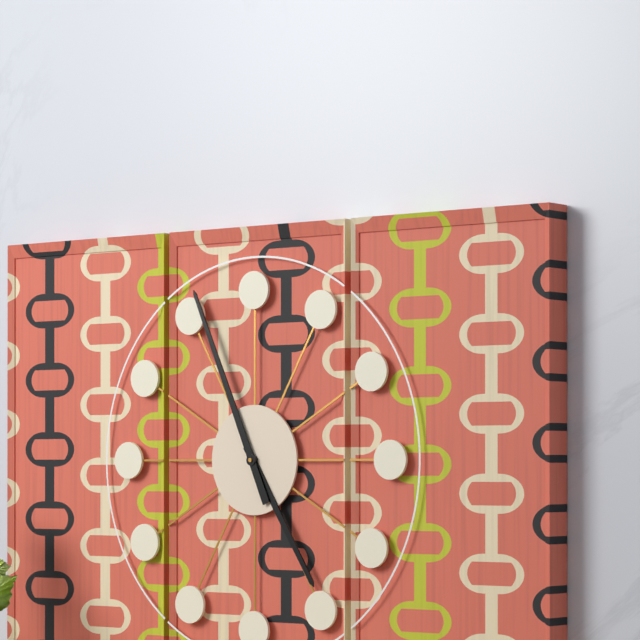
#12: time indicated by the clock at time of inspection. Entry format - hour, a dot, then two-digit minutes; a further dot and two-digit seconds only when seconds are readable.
4.56
